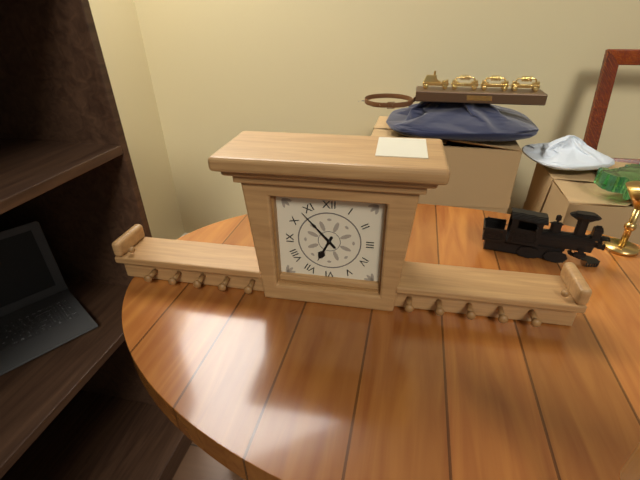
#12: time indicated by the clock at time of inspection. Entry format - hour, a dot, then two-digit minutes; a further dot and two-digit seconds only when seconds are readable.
6.53
